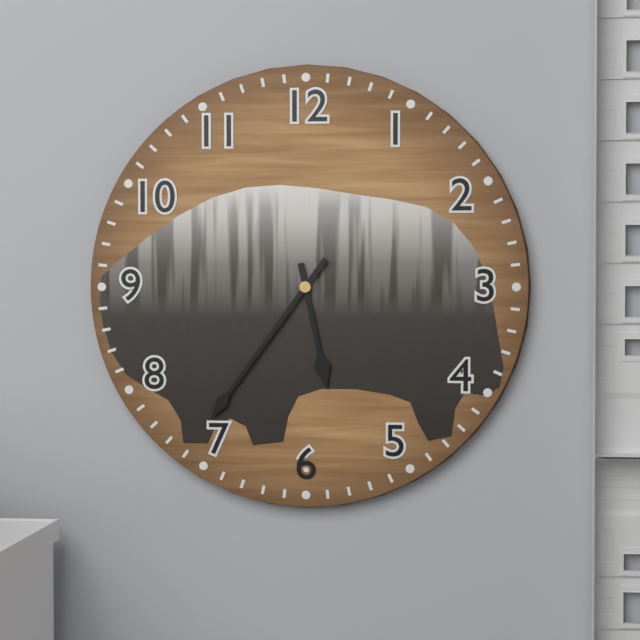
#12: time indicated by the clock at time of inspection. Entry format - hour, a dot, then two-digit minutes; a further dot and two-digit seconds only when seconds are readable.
5.36
